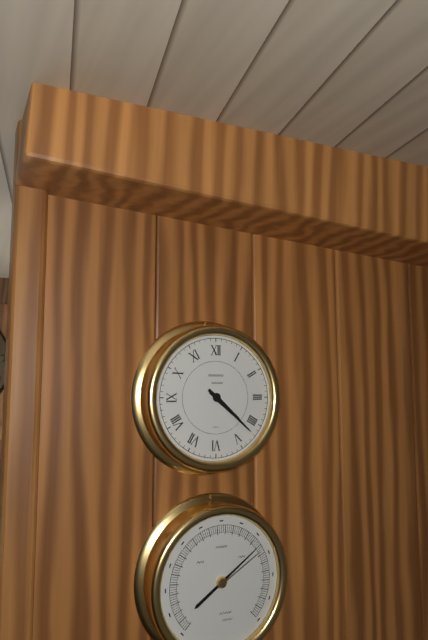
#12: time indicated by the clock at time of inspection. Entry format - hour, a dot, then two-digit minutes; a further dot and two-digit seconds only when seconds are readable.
4.22
